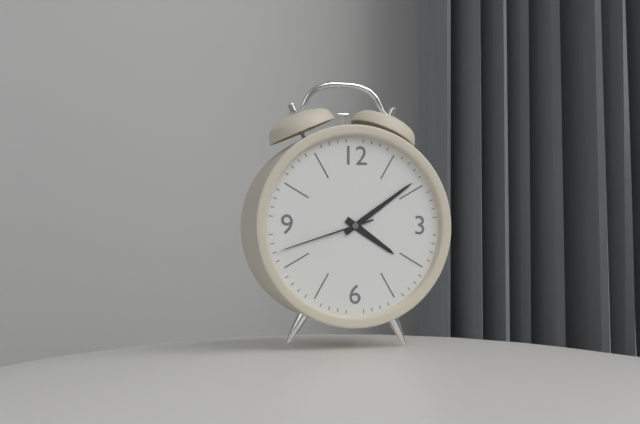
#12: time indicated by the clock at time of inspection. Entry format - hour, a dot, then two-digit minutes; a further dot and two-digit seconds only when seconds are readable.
4.09.42
